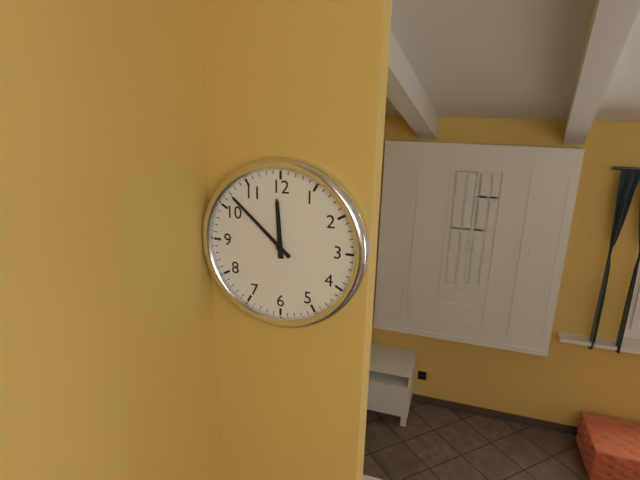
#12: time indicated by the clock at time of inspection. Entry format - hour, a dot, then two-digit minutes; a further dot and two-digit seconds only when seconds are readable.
11.52
